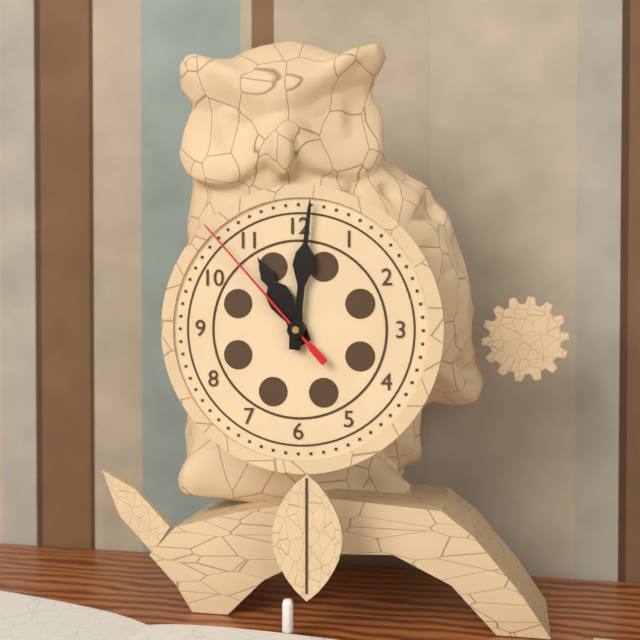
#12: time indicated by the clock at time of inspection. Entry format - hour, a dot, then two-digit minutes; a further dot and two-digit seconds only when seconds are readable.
11.01.53
